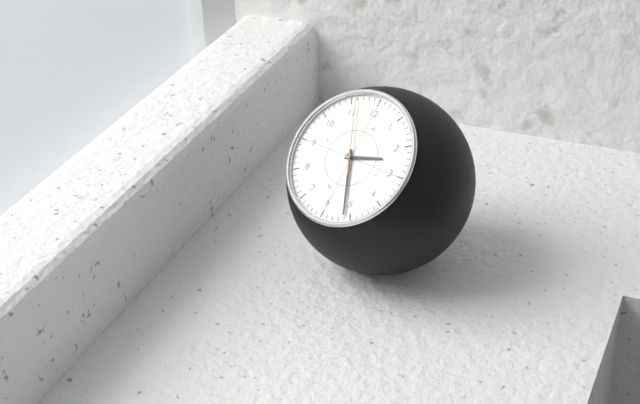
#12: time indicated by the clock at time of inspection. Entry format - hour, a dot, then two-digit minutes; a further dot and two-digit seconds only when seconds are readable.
2.26.56
